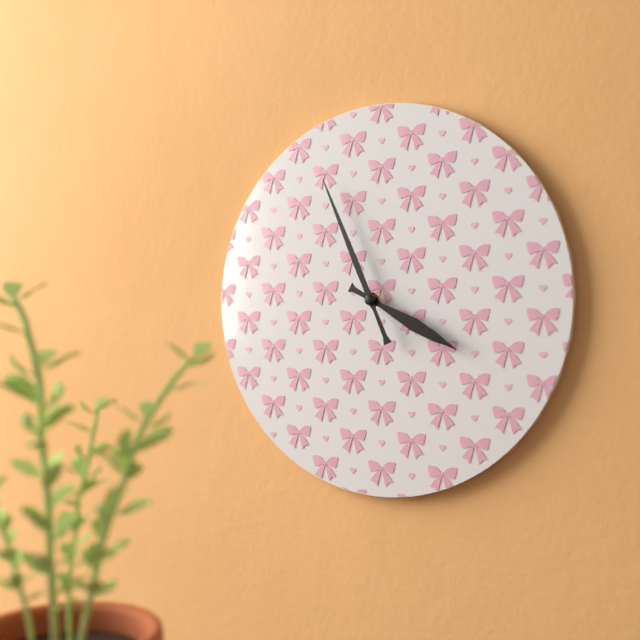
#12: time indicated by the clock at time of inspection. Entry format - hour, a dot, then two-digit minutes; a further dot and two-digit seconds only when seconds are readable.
3.56
